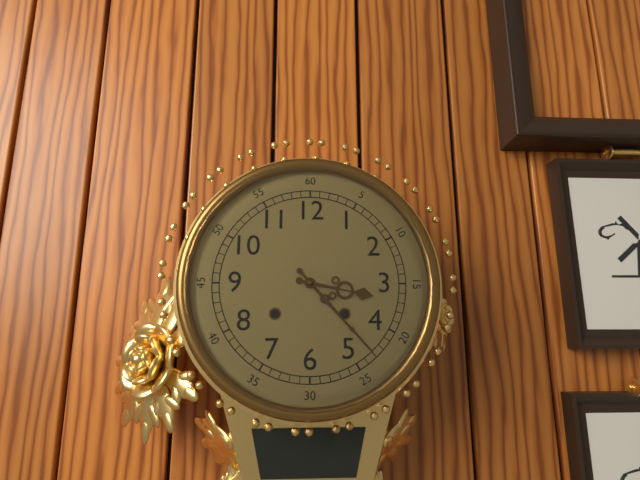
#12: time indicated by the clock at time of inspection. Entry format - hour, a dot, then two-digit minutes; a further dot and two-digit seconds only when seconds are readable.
3.23
